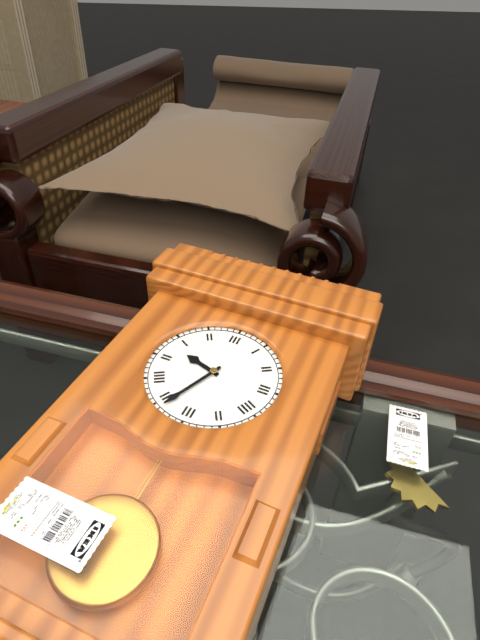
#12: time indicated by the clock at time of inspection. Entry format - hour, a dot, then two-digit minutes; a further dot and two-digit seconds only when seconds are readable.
9.34
